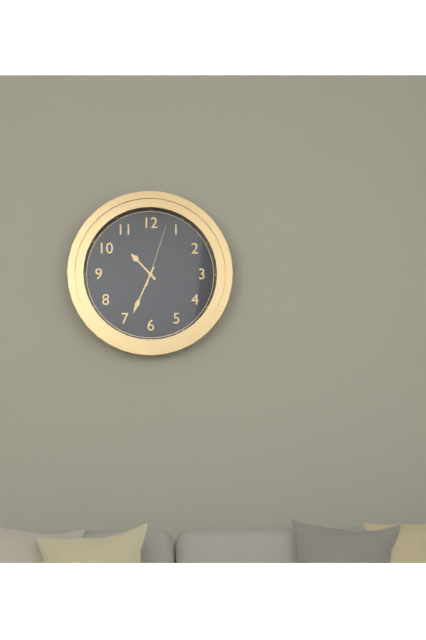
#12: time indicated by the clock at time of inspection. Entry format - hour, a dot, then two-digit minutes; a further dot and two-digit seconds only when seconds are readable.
10.34.03
